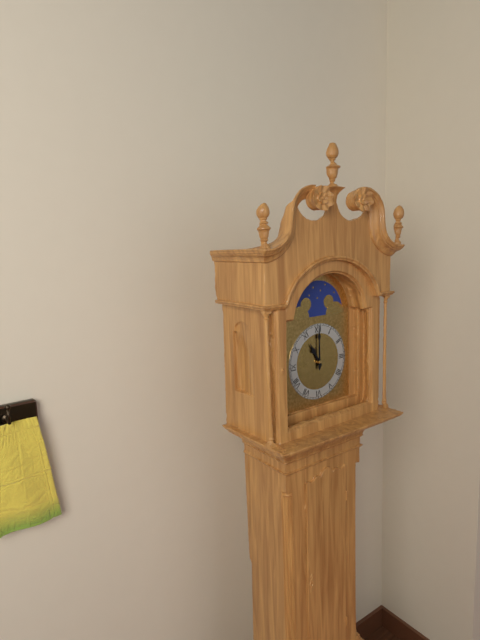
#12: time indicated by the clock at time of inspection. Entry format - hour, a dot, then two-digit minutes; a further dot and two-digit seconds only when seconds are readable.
11.00
